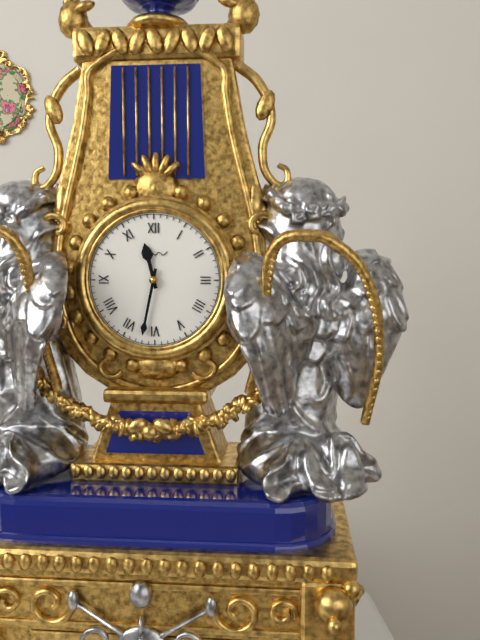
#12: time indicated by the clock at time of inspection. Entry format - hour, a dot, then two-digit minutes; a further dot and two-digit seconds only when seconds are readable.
11.32
